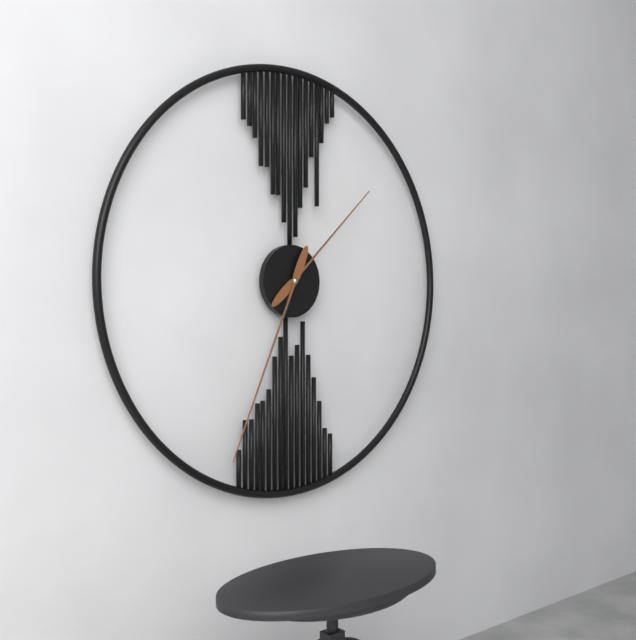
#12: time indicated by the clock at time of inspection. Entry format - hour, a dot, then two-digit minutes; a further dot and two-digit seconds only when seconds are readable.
1.34
